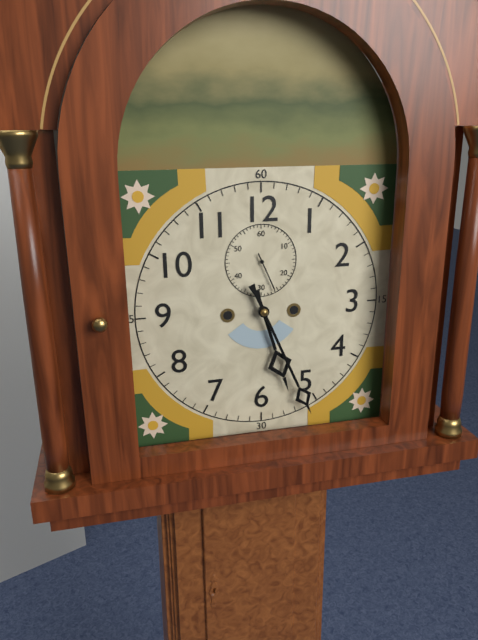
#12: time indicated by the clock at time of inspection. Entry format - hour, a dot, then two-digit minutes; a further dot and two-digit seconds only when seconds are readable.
5.26
